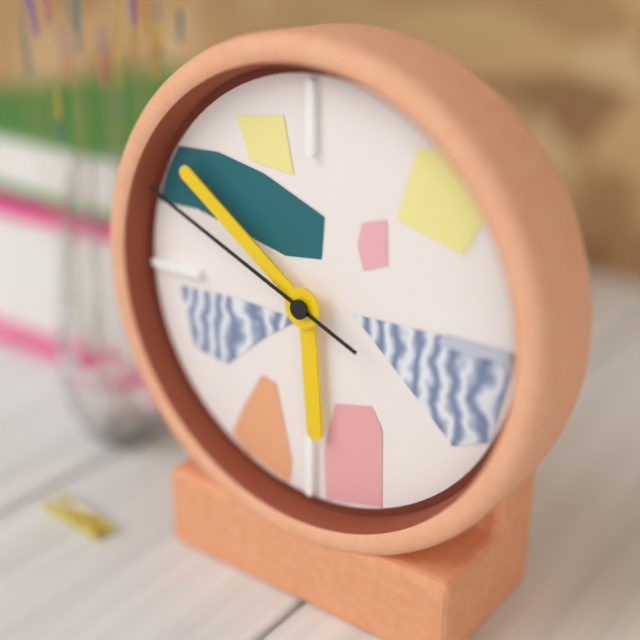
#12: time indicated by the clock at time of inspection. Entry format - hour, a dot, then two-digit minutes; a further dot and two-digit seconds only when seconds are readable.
5.51.49
